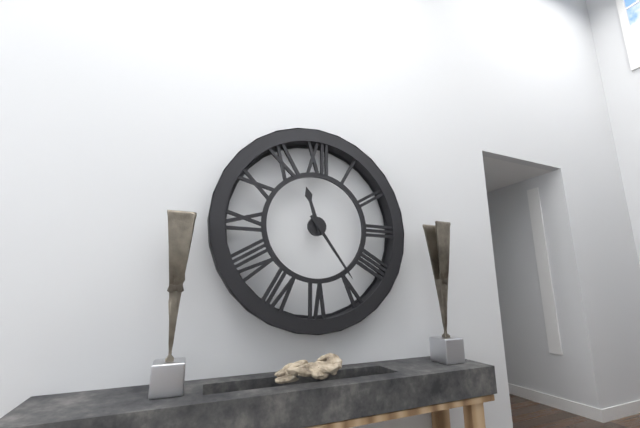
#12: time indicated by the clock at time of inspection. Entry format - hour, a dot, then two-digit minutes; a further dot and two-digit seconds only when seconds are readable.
11.24
